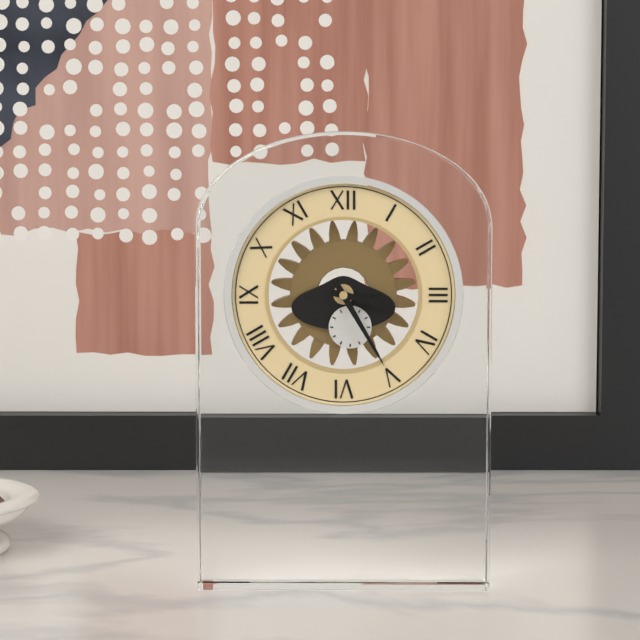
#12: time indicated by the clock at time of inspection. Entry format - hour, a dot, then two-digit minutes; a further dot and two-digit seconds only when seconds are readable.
3.25
